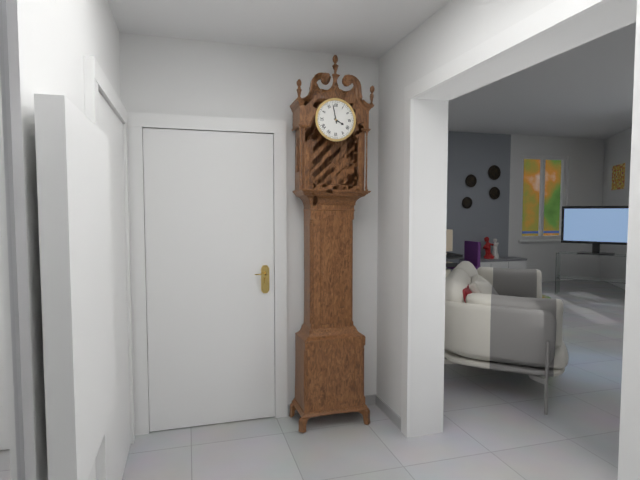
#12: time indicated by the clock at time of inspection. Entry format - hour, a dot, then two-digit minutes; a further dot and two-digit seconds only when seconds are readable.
3.58
